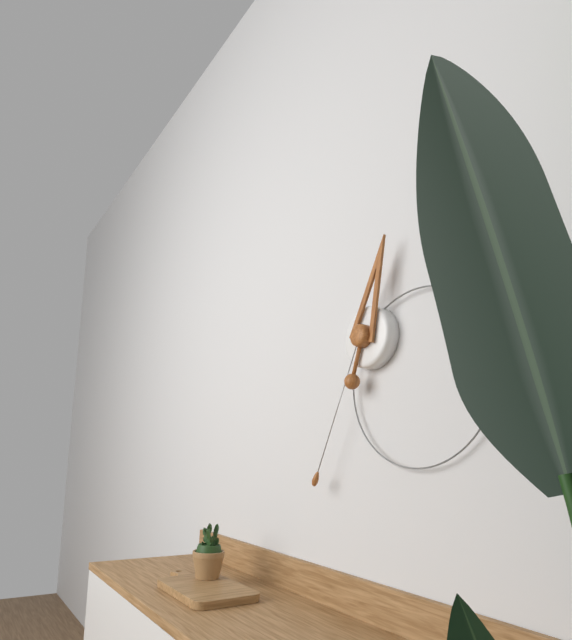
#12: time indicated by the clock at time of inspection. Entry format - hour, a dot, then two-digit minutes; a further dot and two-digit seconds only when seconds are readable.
12.34
